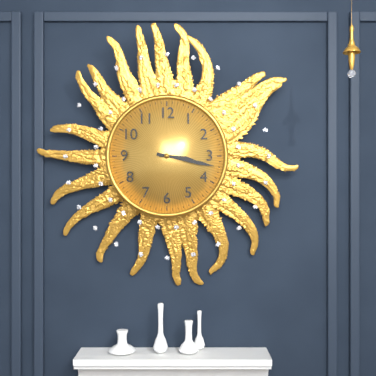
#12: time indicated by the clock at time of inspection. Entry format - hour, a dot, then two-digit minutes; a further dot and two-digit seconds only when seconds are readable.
3.17
